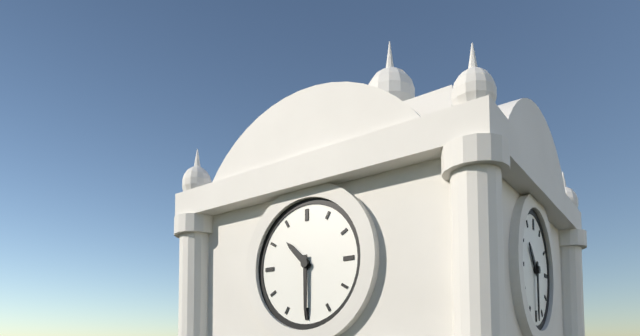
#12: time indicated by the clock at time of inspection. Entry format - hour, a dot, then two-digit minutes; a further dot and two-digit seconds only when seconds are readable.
10.30
